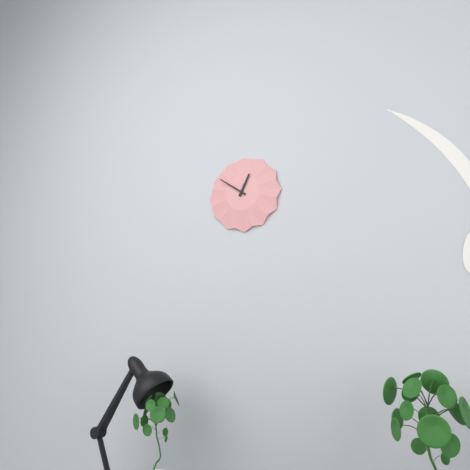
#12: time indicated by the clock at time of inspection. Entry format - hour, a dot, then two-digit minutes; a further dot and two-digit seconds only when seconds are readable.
12.51
